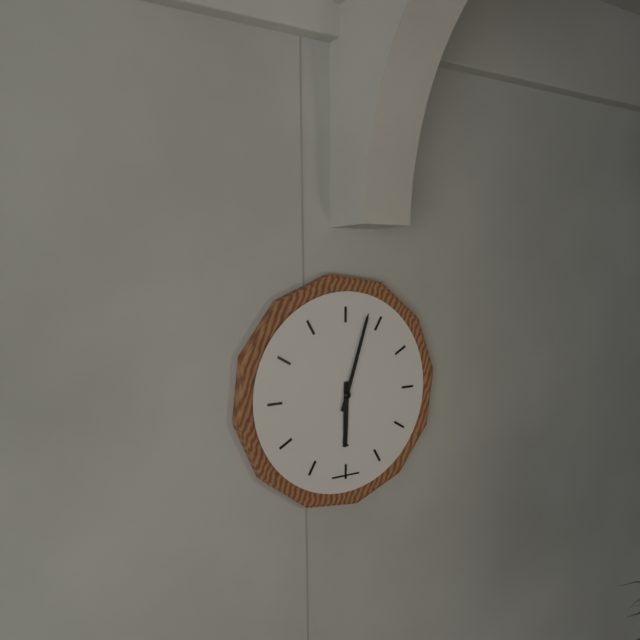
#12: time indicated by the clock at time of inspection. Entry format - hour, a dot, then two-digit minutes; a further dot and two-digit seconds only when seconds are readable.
6.03
